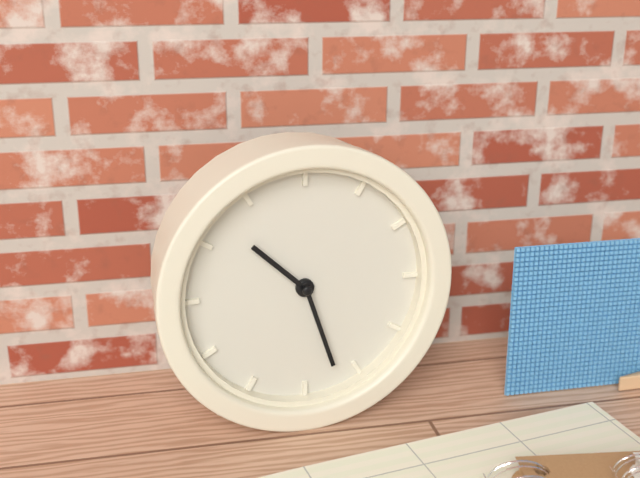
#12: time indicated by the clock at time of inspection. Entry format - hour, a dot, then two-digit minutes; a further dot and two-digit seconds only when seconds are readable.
10.27
